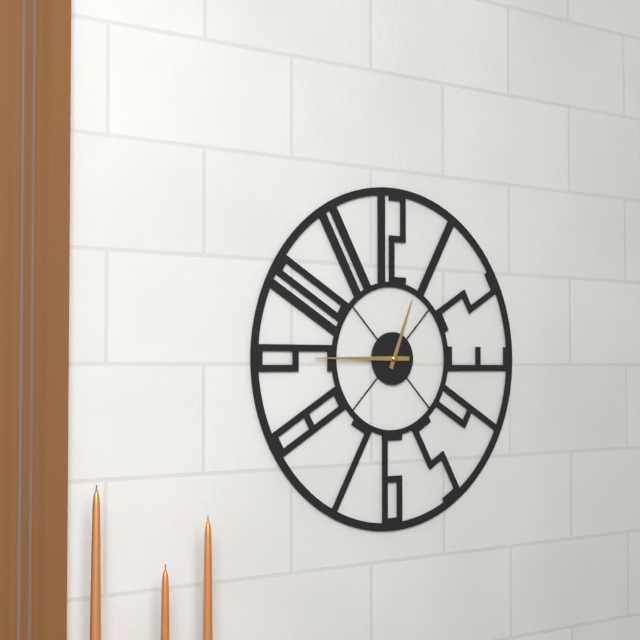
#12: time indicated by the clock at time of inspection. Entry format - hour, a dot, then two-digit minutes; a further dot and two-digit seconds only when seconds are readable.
12.45
